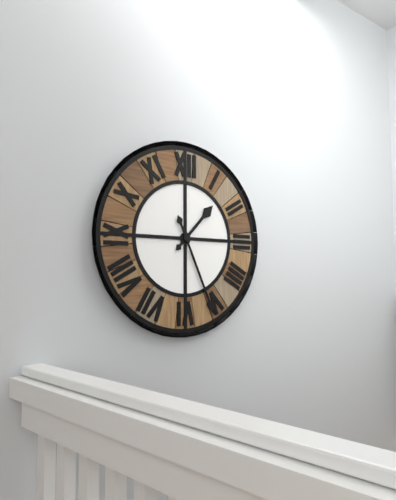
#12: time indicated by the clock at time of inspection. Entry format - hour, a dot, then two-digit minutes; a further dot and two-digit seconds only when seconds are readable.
1.26
